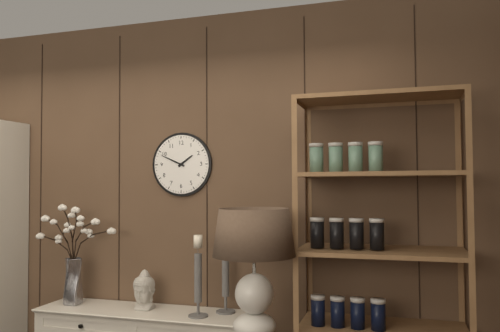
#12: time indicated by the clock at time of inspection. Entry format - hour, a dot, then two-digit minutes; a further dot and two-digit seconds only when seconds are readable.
1.49
